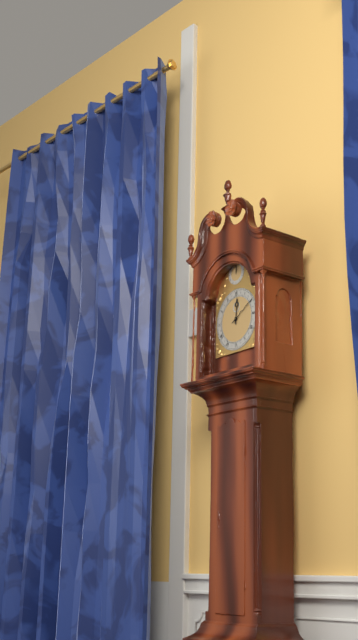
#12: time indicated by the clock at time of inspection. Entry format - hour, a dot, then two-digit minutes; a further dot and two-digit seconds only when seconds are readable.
12.10
